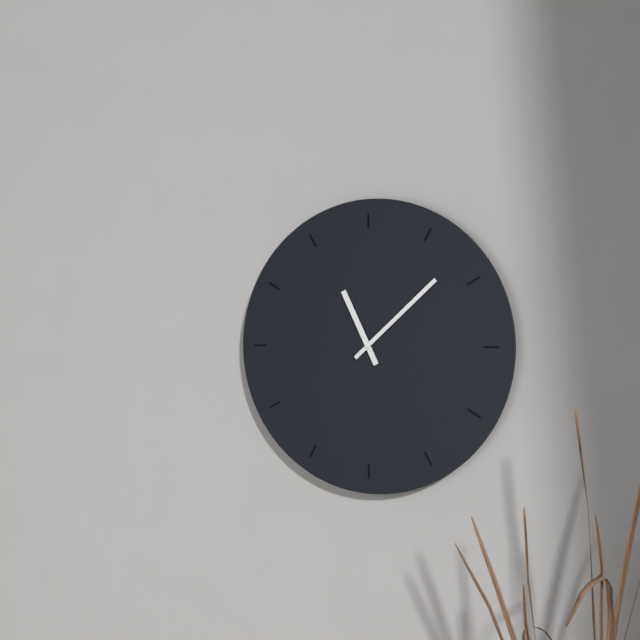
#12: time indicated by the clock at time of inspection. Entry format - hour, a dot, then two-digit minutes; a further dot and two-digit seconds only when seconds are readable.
11.08
